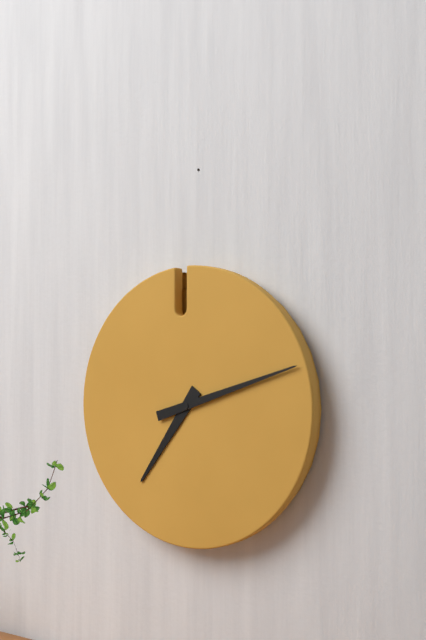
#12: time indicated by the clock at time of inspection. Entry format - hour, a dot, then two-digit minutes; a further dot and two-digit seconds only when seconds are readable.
7.12
